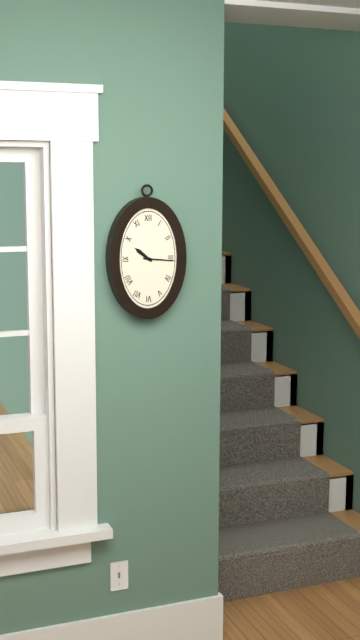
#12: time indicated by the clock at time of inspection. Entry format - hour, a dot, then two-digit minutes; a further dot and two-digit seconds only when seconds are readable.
10.16
